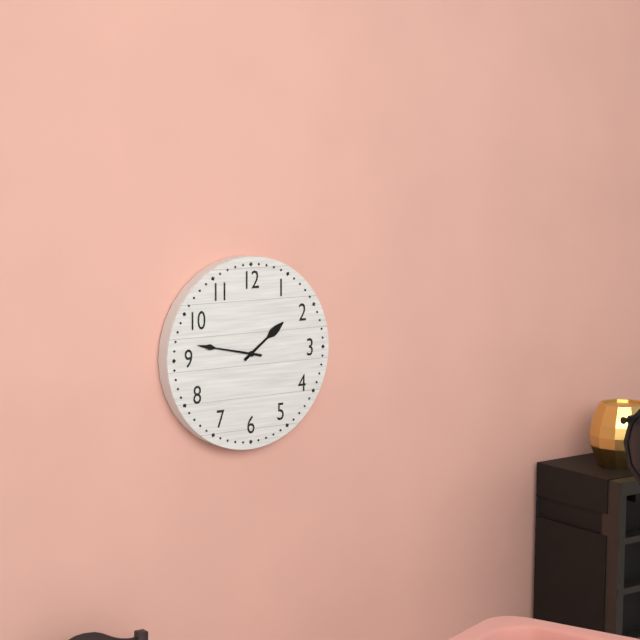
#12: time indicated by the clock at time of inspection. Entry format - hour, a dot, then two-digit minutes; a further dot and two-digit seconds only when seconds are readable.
1.47
